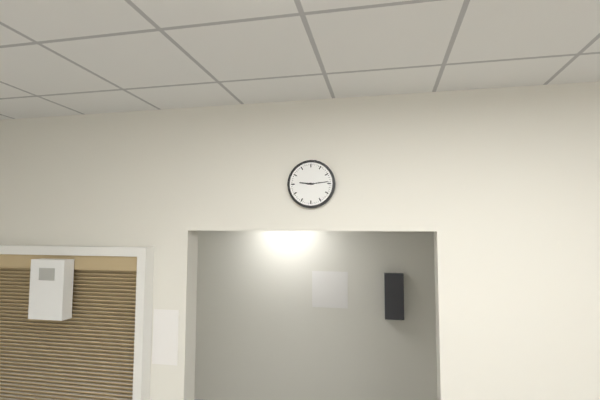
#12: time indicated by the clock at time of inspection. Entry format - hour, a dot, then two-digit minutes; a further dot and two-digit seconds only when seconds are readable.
9.14
